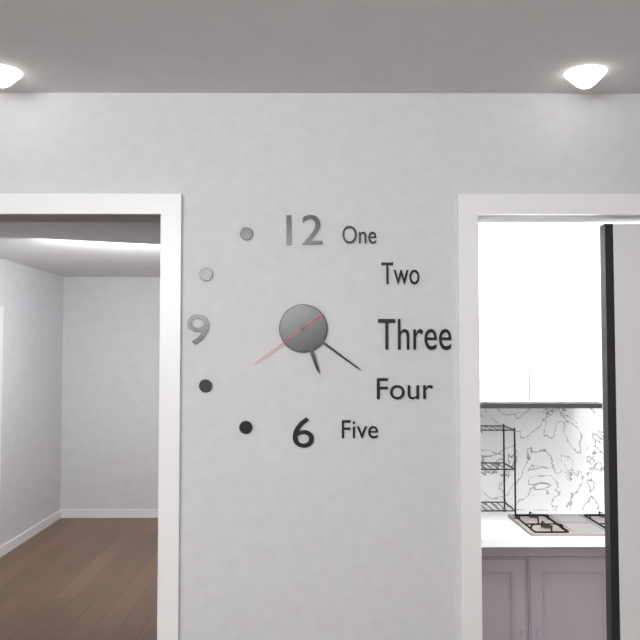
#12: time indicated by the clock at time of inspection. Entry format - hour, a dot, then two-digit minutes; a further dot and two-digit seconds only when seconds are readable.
5.21.39
